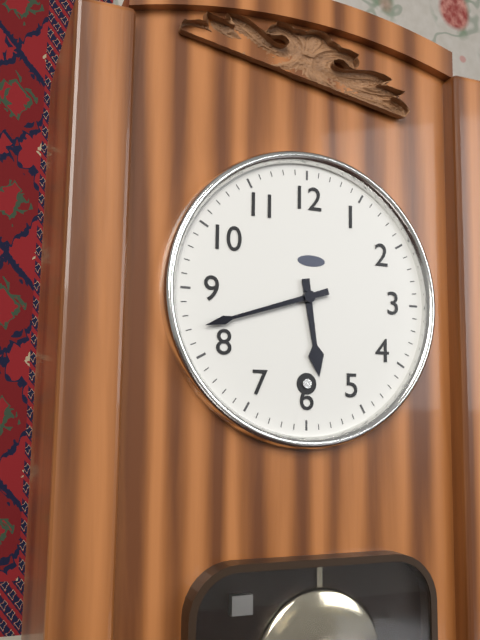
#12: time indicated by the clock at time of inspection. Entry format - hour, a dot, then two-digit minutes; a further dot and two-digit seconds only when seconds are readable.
5.42
